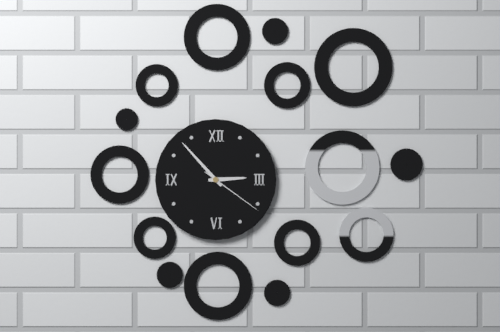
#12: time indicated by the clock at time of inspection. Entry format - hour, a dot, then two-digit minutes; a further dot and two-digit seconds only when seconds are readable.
2.53.21
